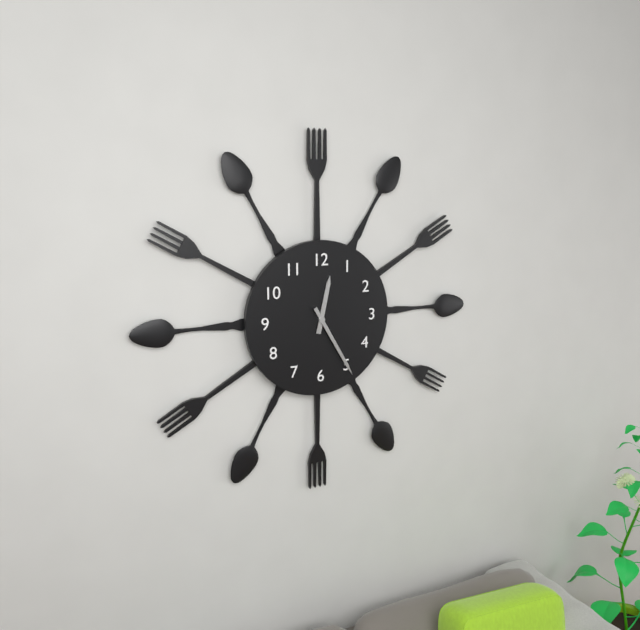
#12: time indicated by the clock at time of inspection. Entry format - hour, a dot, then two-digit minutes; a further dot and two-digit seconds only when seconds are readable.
12.25
